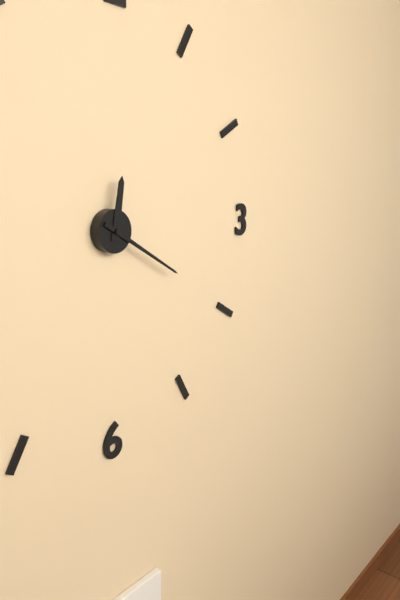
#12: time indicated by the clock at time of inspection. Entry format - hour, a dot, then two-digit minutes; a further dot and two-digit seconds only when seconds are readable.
12.20
